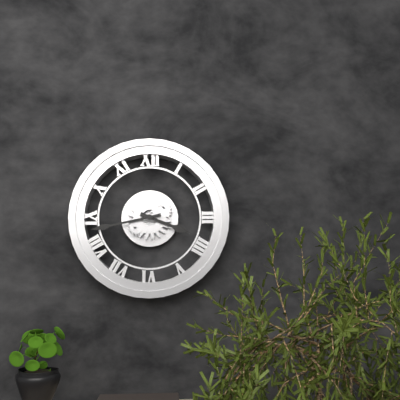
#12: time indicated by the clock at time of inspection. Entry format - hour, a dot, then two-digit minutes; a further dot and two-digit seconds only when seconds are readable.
3.43
